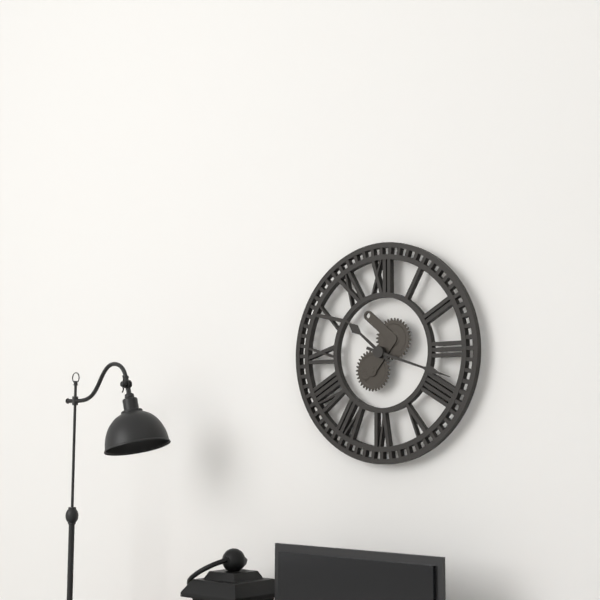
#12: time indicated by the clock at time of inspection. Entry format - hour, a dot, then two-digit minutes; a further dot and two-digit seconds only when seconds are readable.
10.18
